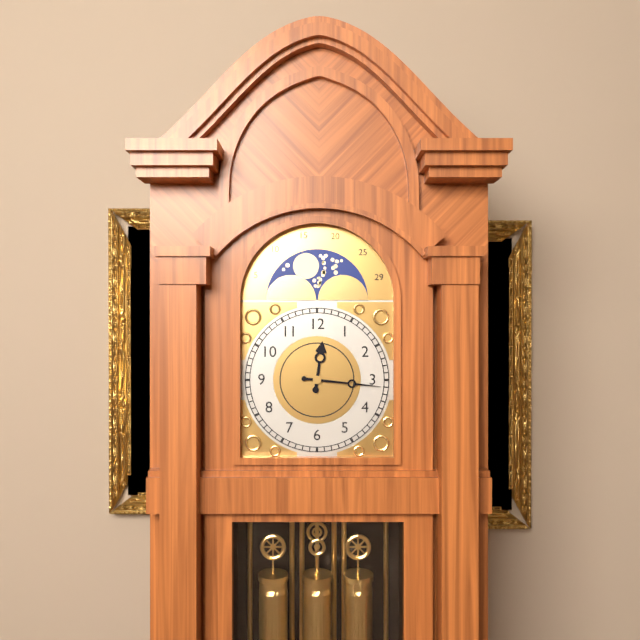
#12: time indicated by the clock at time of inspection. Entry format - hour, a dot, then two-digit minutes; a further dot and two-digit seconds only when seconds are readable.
12.16
